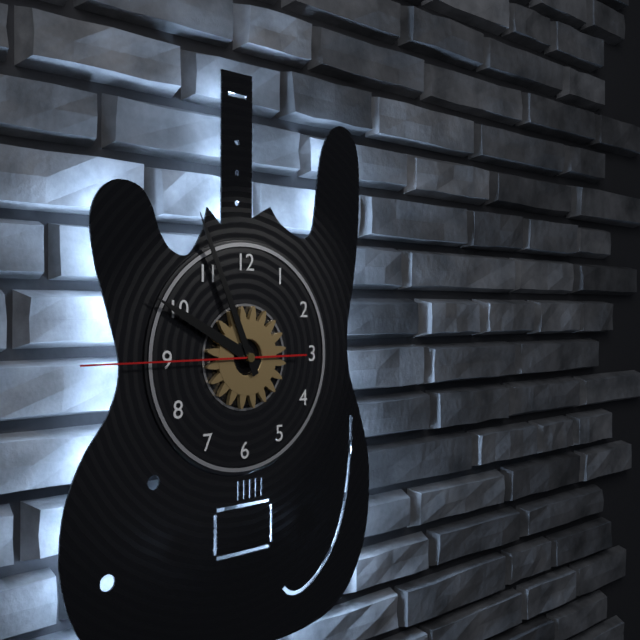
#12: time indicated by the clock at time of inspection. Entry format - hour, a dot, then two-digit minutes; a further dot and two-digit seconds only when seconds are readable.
9.56.45
